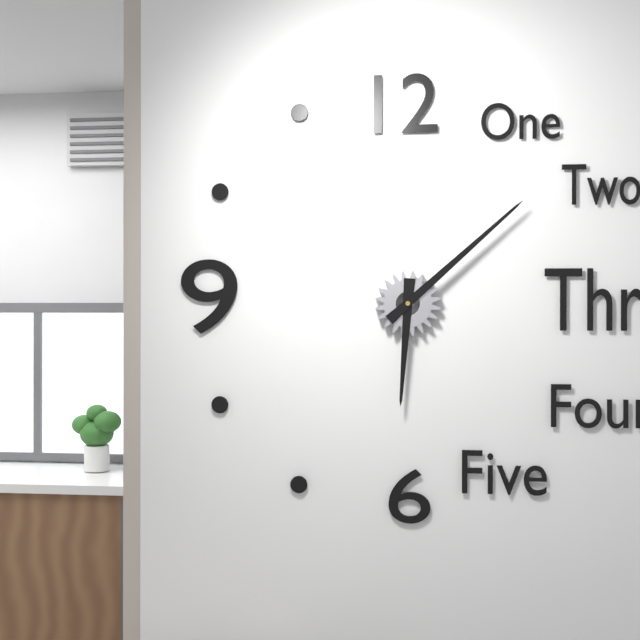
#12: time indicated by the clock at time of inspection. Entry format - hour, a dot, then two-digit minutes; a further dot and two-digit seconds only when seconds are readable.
6.08
